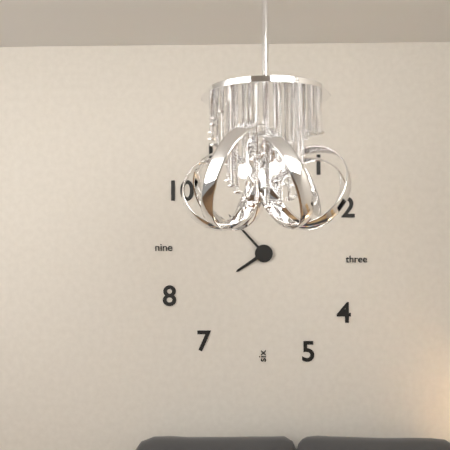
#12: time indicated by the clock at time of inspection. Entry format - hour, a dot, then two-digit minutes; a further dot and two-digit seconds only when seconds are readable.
7.53
